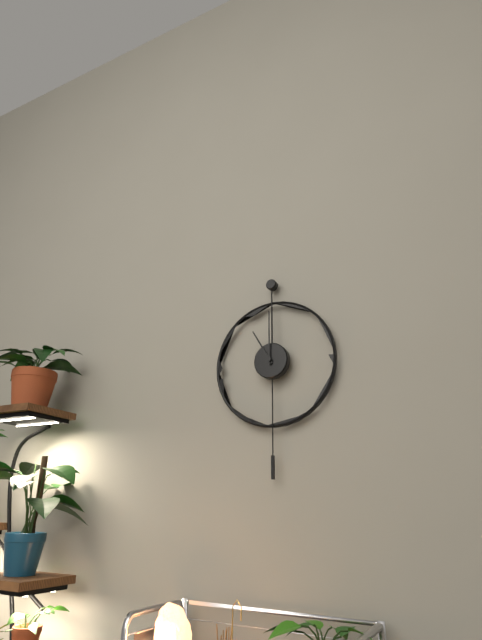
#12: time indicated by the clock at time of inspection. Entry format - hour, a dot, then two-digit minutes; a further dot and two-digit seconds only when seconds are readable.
11.00
